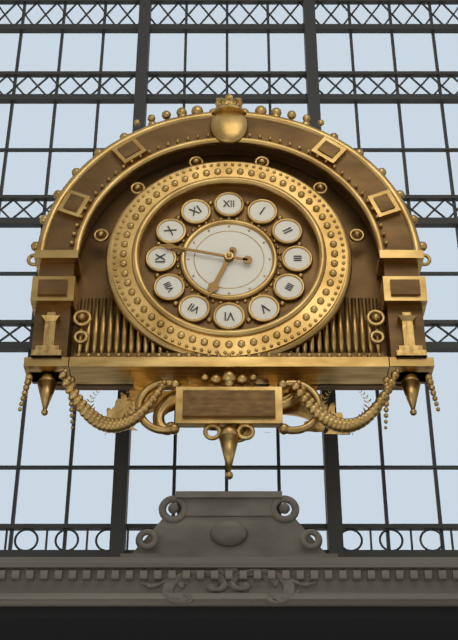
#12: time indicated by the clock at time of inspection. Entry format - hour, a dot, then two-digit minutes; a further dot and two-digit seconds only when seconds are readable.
6.47
